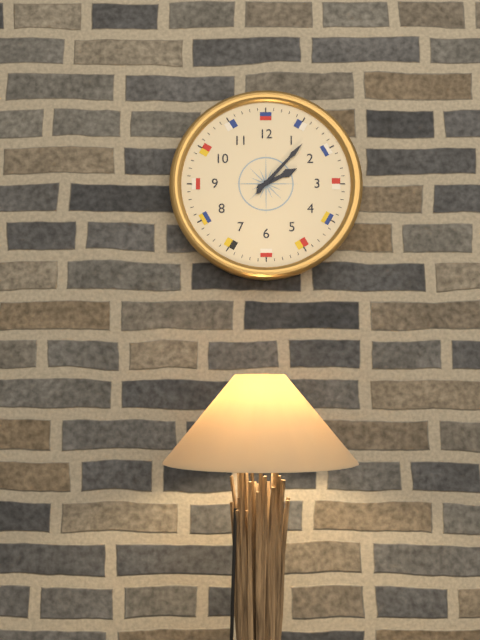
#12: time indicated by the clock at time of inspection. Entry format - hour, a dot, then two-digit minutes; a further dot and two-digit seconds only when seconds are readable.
2.07
